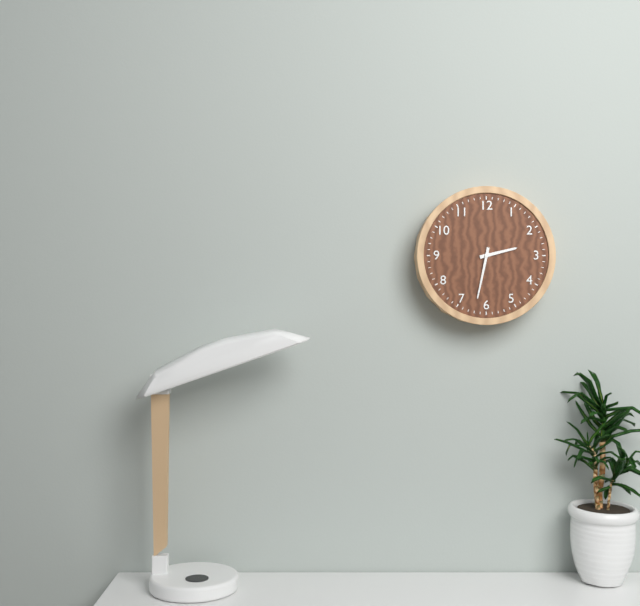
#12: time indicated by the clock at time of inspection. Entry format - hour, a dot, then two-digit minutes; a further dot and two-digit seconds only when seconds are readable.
2.32
